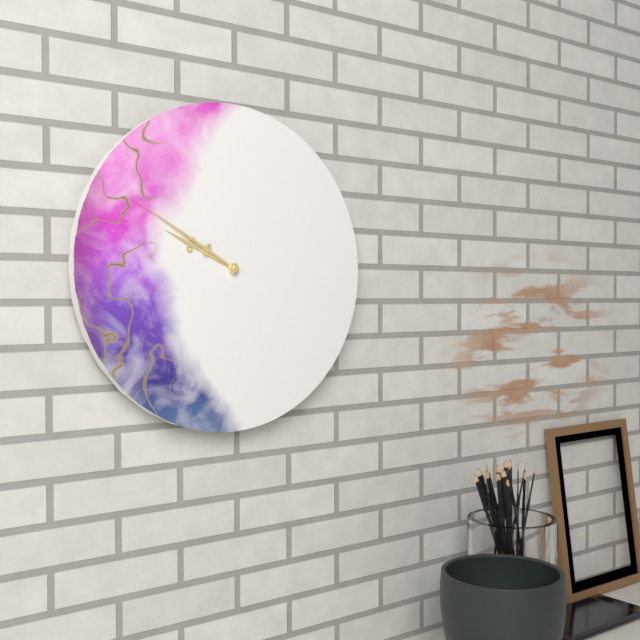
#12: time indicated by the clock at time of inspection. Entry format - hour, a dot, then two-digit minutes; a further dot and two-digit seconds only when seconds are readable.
9.50
